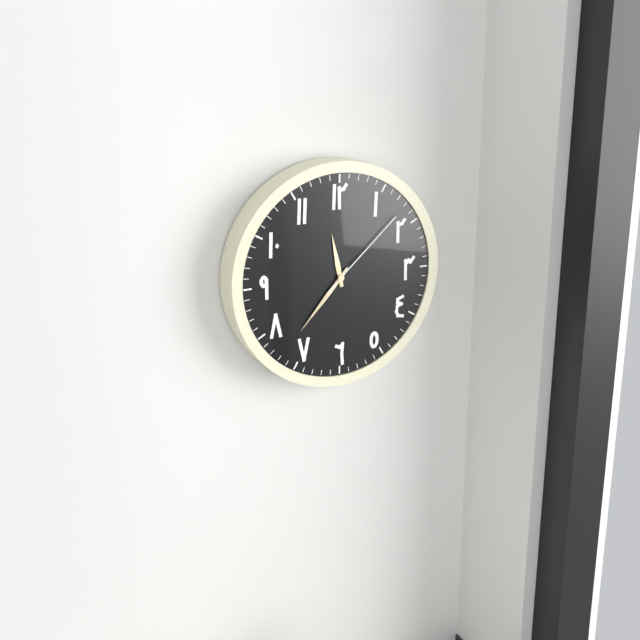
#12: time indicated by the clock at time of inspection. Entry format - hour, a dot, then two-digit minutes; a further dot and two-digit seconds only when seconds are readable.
11.37.08
